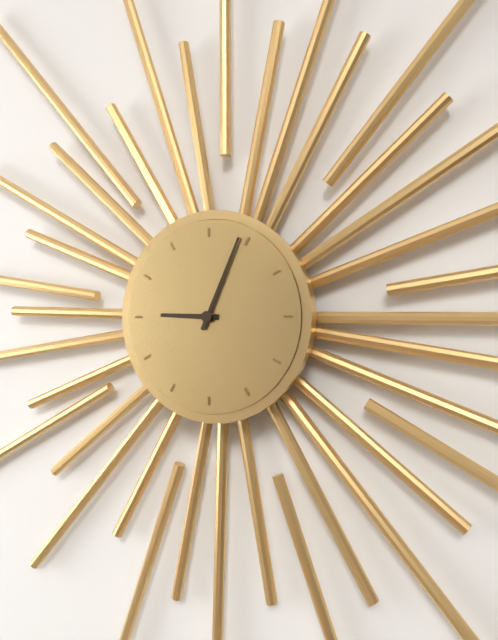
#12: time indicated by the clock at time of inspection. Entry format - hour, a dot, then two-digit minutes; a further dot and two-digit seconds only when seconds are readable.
9.04
